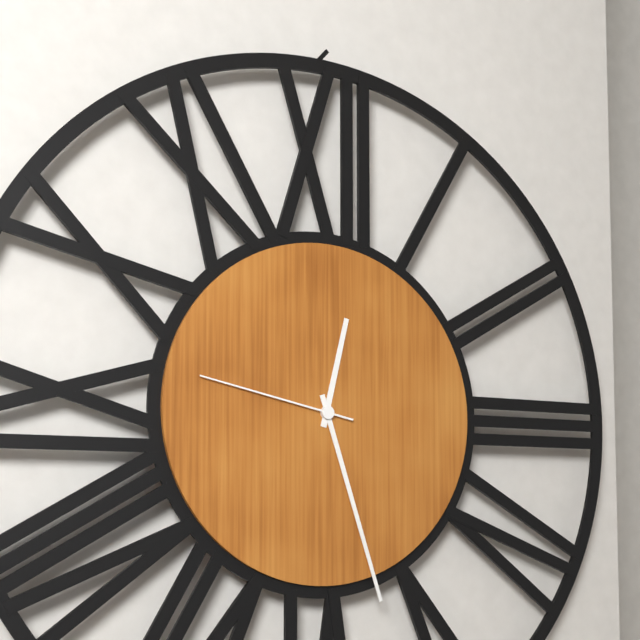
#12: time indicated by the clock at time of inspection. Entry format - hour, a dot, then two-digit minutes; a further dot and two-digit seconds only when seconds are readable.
12.27.47
